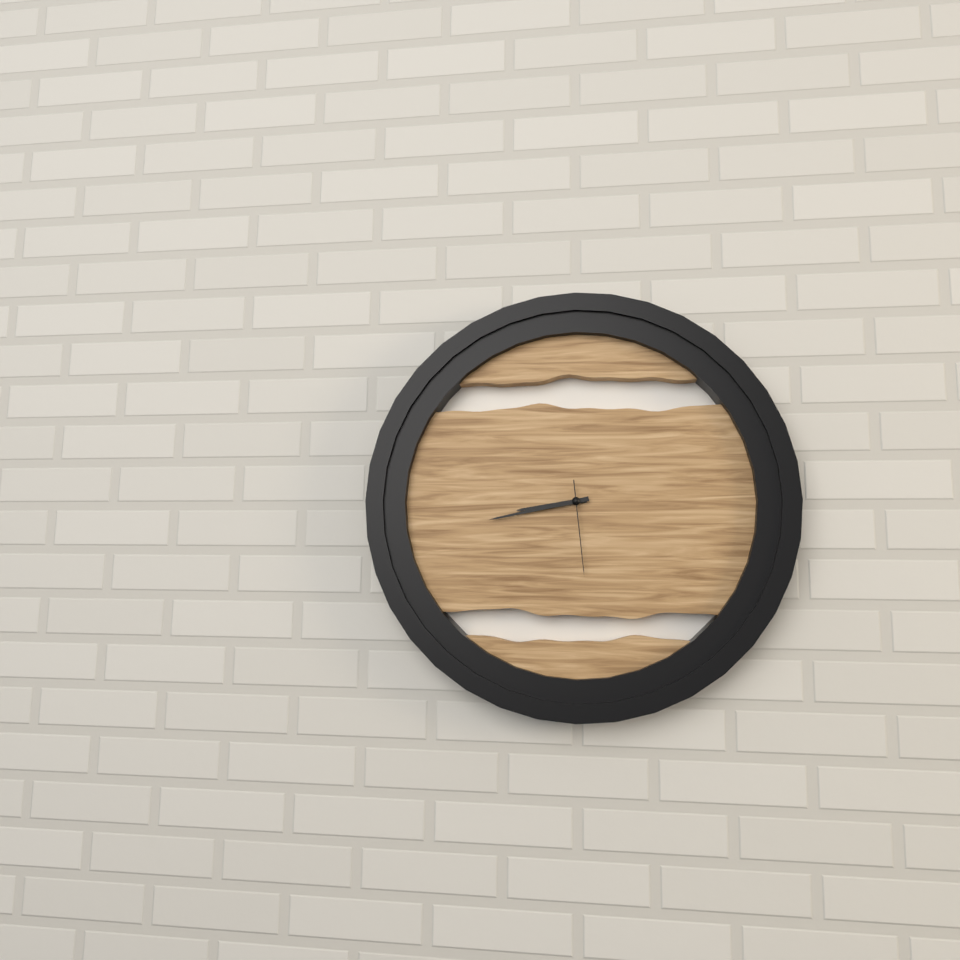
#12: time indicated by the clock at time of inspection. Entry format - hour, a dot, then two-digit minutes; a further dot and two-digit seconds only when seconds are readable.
8.43.29
